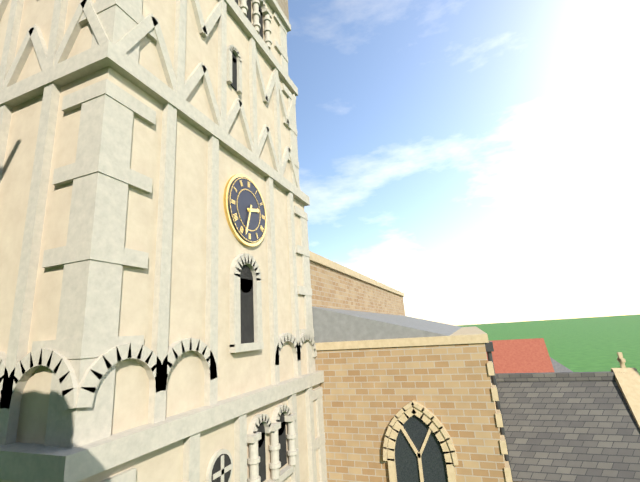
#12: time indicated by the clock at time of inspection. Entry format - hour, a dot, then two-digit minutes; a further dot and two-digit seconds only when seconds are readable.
2.33
